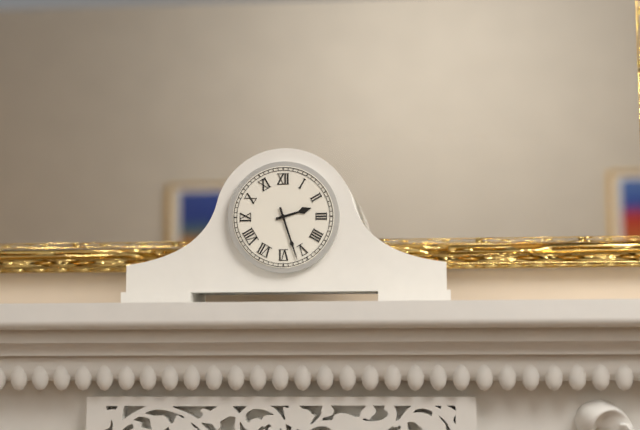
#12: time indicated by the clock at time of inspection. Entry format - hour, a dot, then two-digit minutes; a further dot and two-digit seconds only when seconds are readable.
2.27
